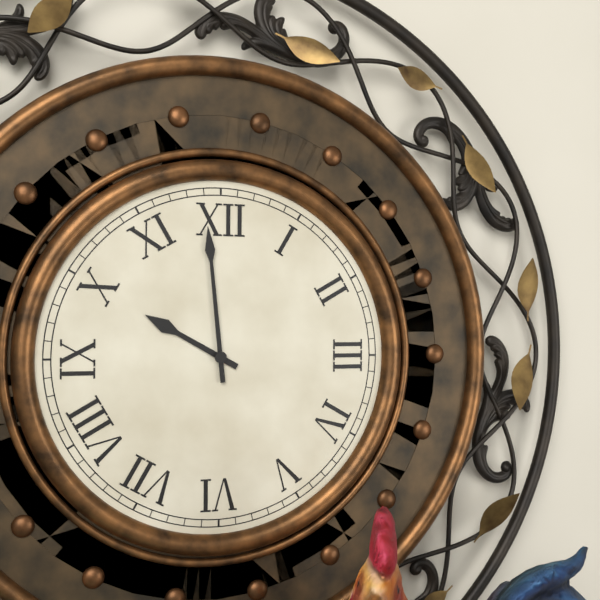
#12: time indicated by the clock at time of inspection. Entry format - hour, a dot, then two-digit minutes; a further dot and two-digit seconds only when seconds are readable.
9.59
